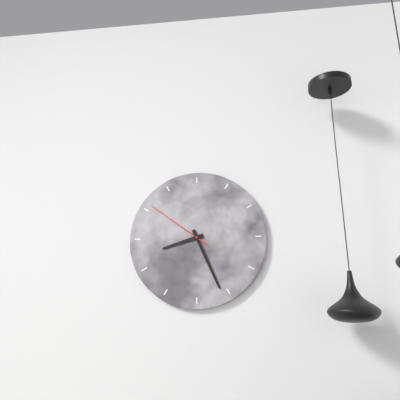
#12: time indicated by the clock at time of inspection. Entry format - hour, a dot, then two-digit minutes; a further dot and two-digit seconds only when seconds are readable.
8.26.51
